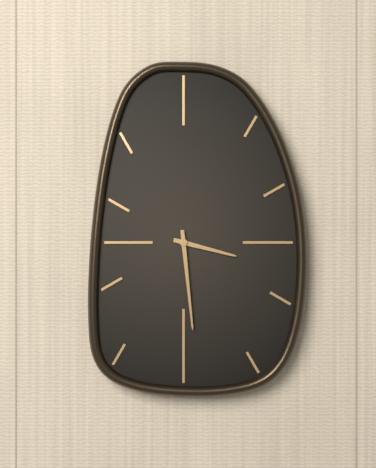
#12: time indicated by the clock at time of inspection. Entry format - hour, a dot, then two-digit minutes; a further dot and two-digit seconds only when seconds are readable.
3.29
